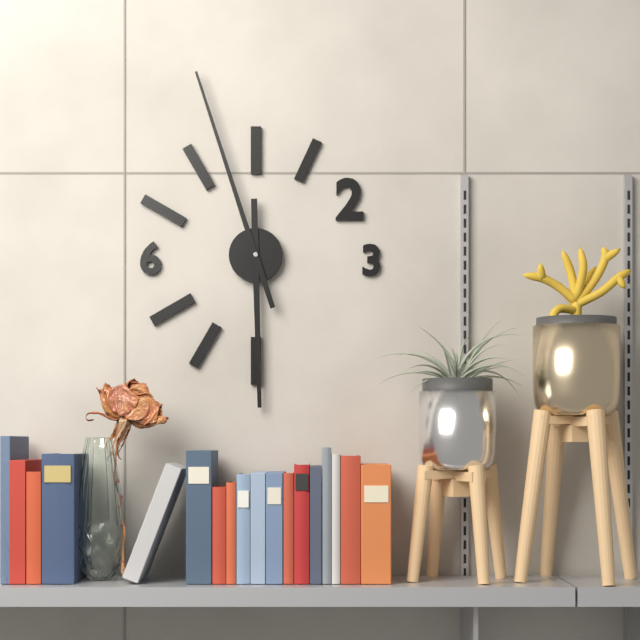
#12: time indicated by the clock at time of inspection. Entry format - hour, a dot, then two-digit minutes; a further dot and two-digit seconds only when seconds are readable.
5.57
